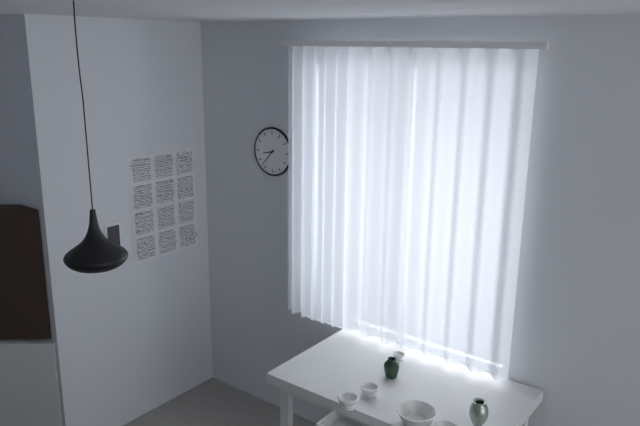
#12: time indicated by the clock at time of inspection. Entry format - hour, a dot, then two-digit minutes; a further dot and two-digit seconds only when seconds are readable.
8.37
